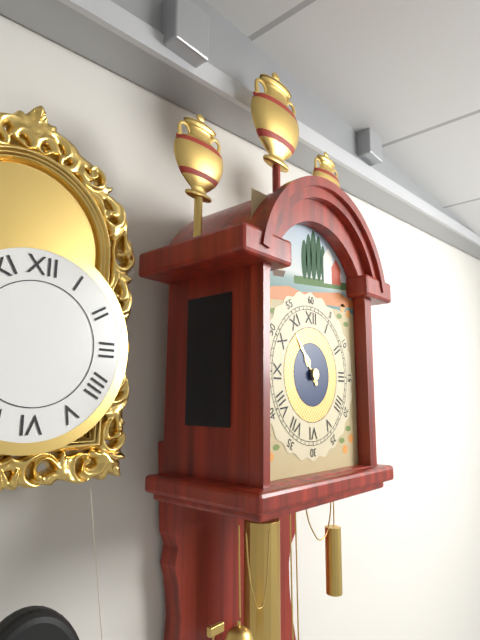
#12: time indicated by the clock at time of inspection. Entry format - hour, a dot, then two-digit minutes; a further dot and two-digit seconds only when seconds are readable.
10.54
